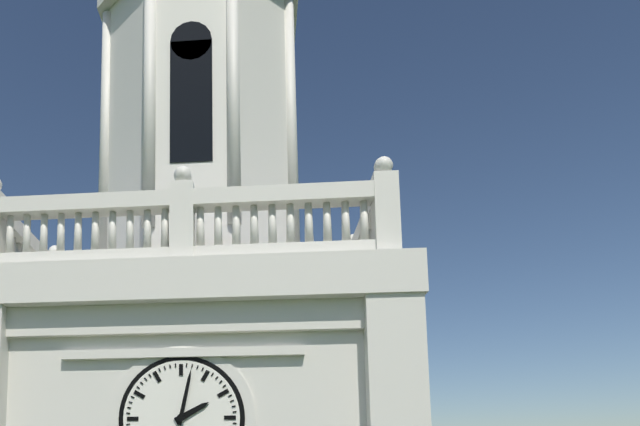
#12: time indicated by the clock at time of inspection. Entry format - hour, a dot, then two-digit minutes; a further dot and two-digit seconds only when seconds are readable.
2.02
